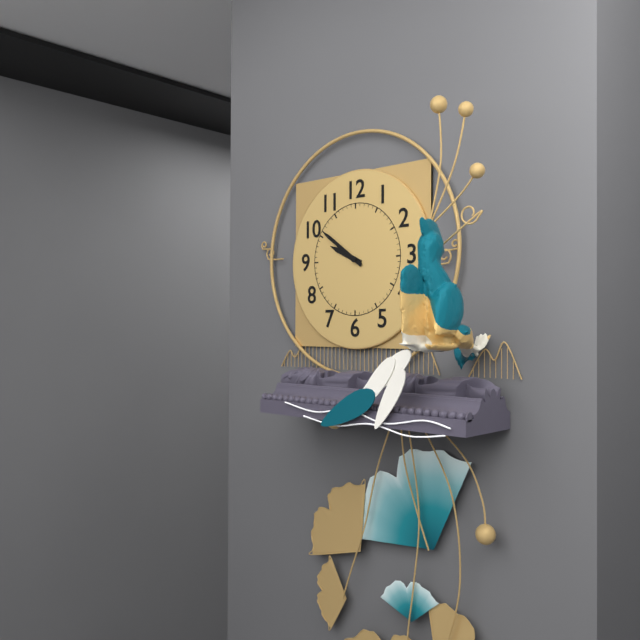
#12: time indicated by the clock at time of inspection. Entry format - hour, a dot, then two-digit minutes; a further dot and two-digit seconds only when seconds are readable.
9.51
